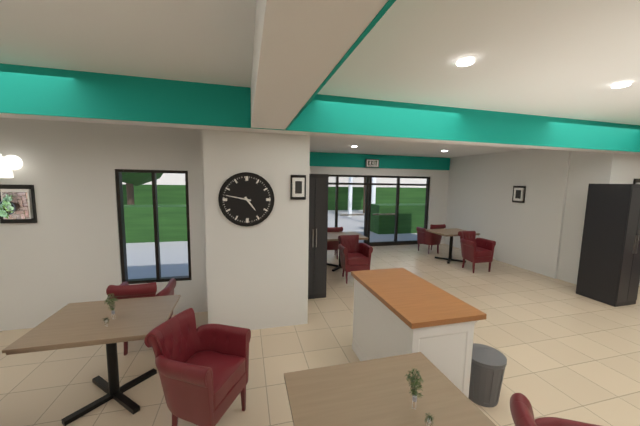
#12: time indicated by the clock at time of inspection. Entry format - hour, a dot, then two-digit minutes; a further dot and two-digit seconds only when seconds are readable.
4.47
